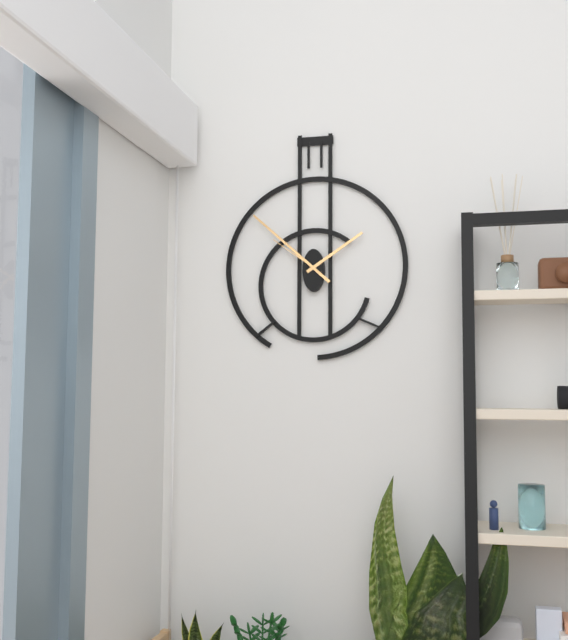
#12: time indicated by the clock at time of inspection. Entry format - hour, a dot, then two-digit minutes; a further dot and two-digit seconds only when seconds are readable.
1.52.51
